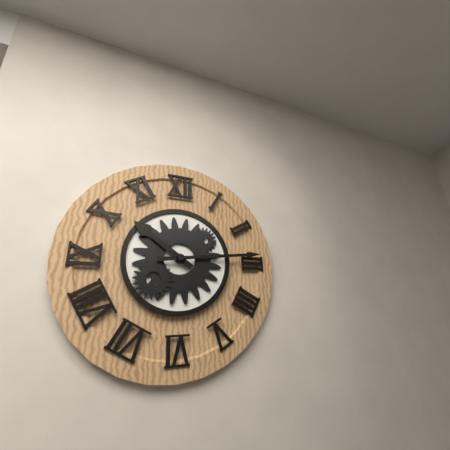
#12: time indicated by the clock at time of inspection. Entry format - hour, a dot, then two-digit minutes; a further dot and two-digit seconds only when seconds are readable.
10.14
